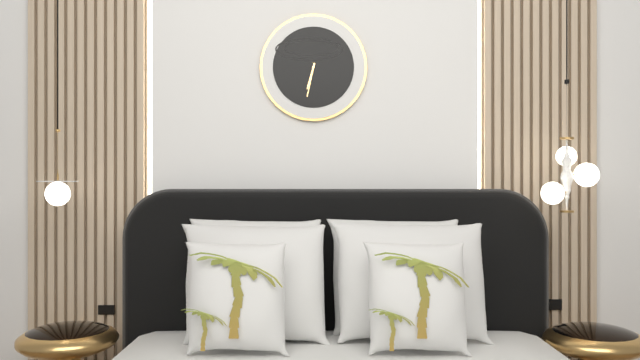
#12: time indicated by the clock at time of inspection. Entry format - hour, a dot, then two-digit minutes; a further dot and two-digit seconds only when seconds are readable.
6.32
